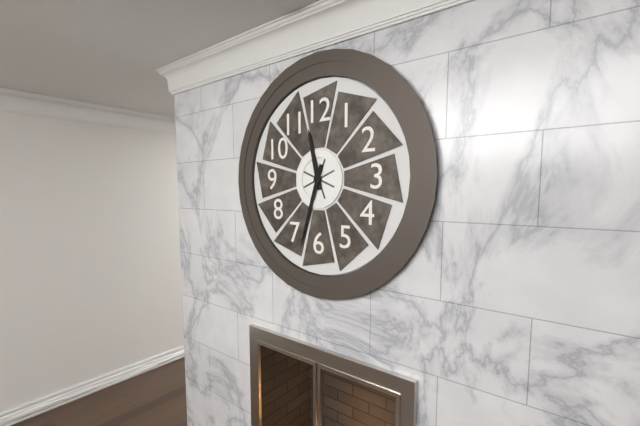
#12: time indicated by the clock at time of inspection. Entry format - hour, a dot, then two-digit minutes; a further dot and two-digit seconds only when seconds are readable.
11.33
